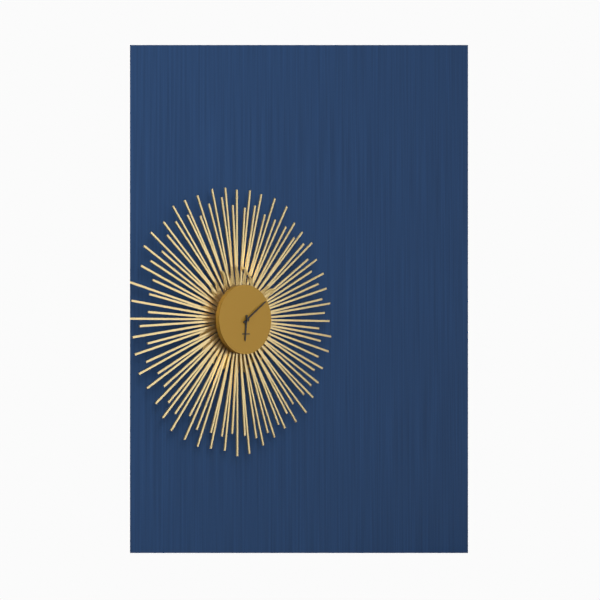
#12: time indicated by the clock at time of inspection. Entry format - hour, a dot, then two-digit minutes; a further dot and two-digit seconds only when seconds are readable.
6.09
